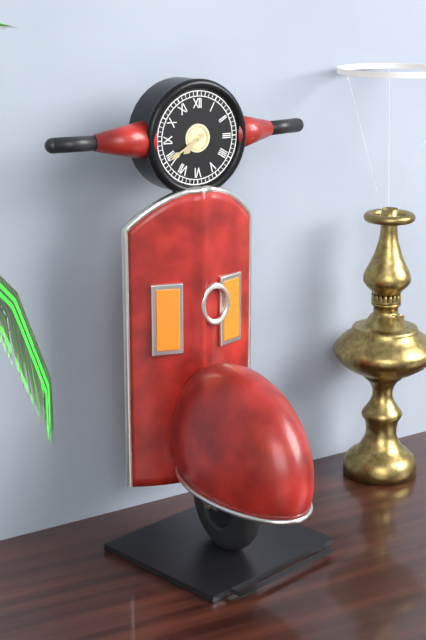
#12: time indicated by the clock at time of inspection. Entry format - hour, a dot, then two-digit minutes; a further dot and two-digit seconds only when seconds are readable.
7.40
